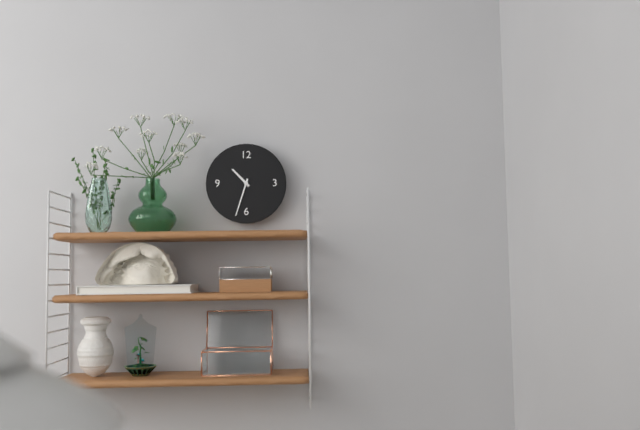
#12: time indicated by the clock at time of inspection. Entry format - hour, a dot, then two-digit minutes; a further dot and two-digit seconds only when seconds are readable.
10.33
